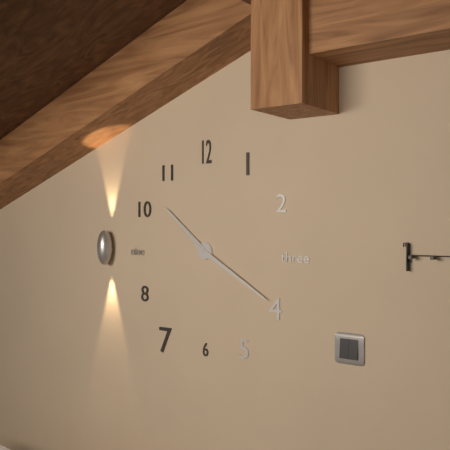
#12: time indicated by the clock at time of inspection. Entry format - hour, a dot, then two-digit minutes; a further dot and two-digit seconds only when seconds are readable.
10.20
